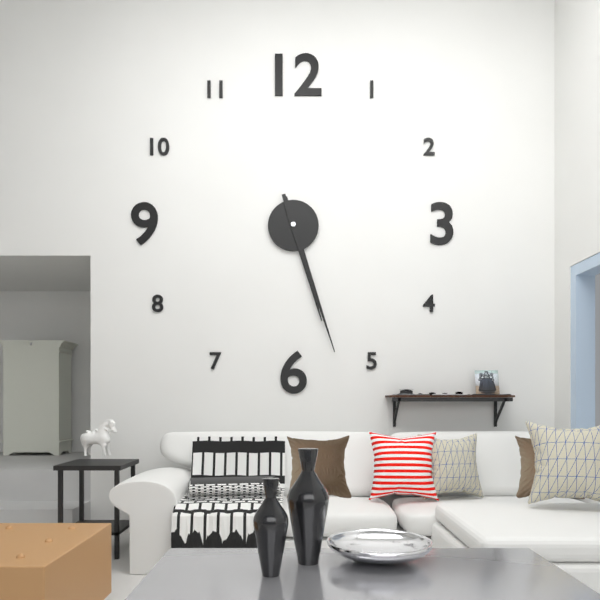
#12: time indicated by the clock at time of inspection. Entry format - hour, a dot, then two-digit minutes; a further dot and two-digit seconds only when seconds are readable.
5.27
